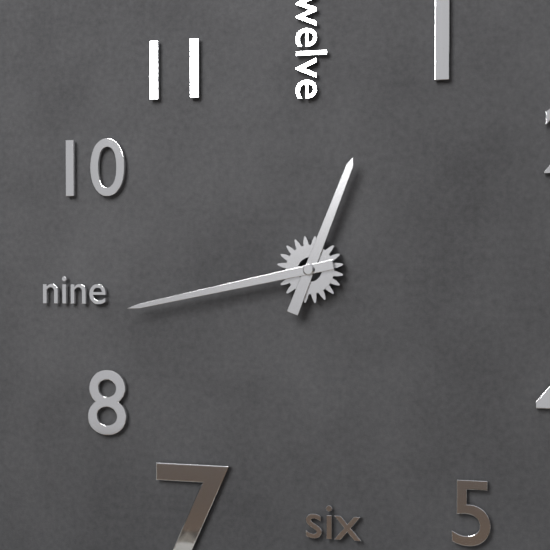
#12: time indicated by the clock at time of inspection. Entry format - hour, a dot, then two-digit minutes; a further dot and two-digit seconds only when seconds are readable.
12.43
